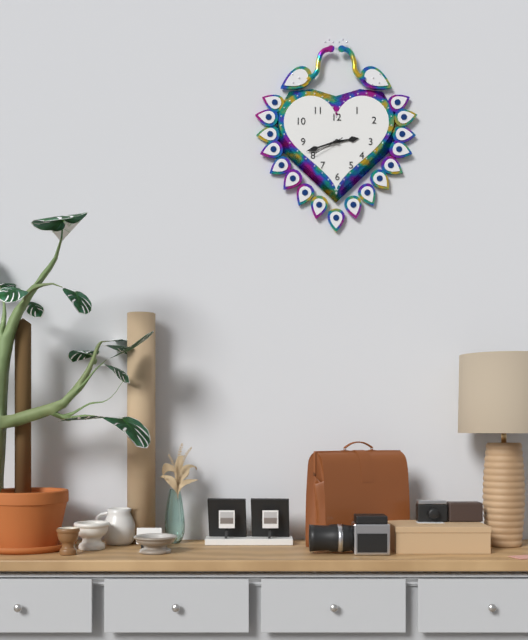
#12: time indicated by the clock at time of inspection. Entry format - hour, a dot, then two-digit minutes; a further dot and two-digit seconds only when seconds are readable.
2.42
